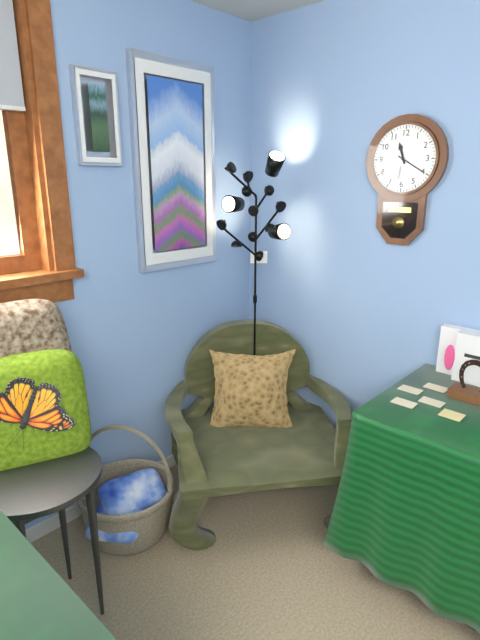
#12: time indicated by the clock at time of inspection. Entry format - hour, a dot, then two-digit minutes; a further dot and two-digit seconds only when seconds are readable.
11.20
